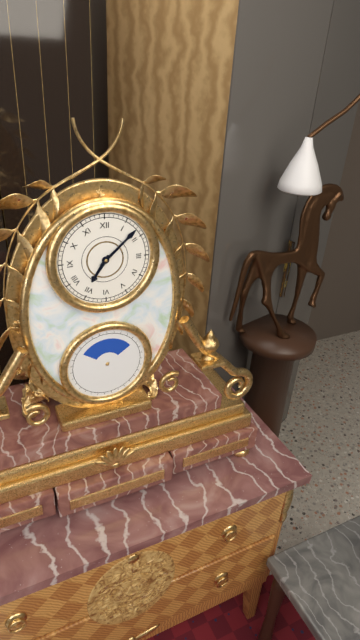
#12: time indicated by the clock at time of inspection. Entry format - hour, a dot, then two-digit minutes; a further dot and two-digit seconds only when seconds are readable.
7.08
